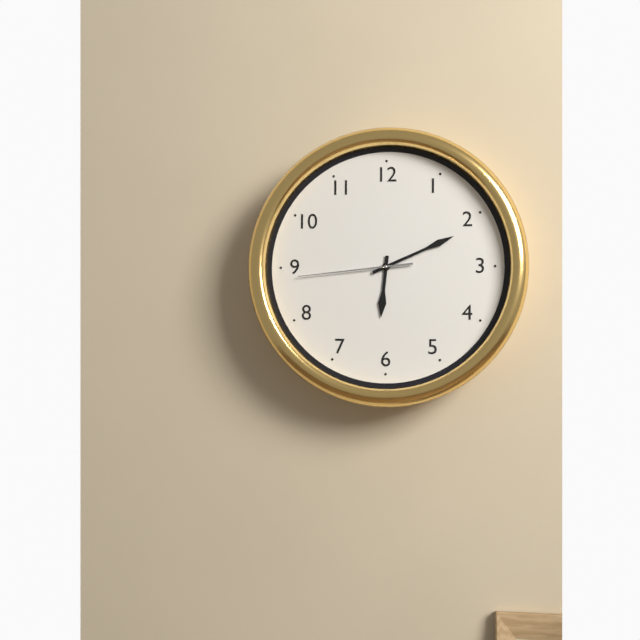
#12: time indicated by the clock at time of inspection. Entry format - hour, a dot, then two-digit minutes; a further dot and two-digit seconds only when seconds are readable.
6.11.44
